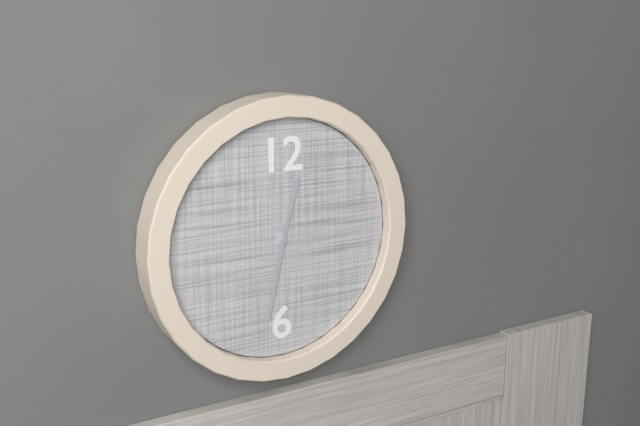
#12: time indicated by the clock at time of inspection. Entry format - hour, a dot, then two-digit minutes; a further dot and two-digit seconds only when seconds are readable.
12.32
